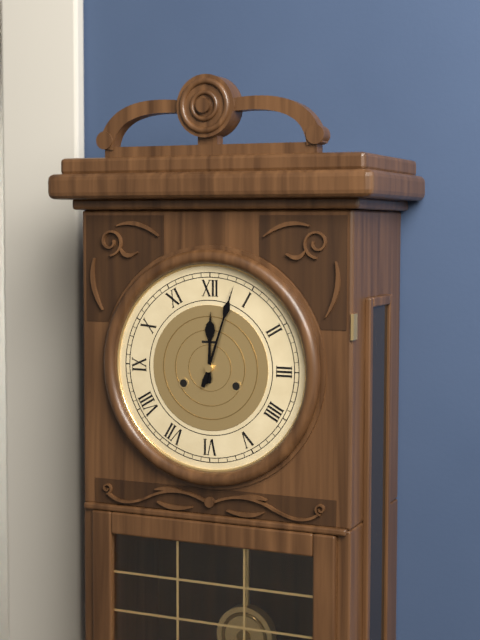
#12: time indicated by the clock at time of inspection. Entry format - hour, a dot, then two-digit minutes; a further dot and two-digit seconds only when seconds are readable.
12.03
